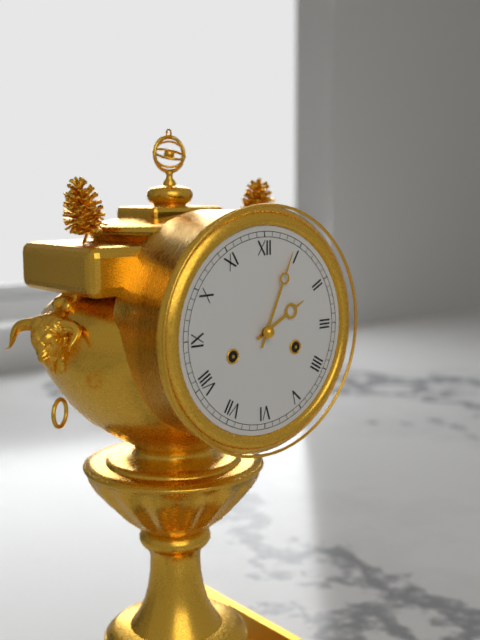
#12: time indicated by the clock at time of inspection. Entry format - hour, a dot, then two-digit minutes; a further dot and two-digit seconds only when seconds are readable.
2.04
